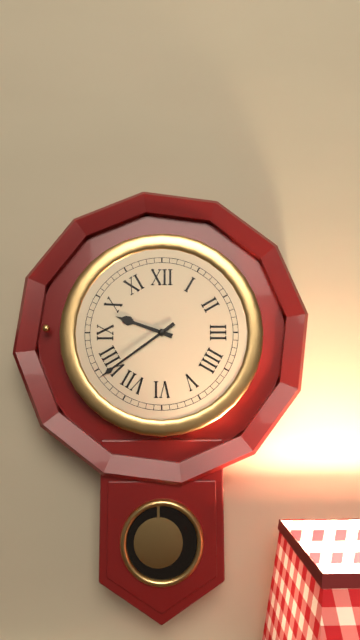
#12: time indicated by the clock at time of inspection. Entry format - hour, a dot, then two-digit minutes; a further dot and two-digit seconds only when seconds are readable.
9.39
